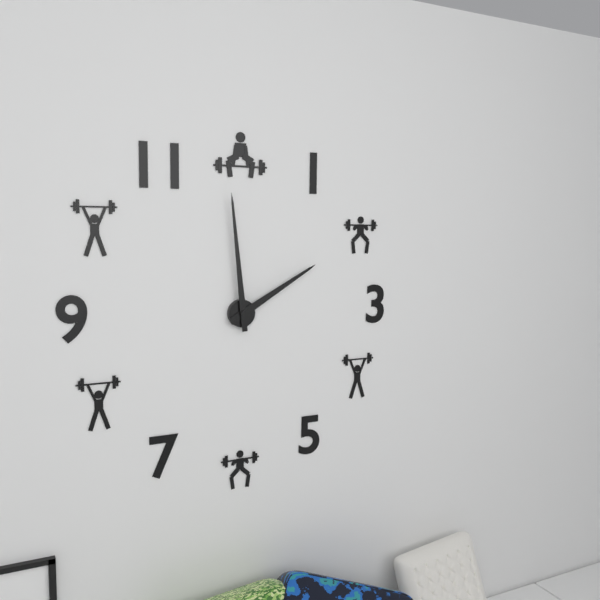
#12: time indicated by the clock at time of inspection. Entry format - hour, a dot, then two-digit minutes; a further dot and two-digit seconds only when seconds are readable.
1.59
